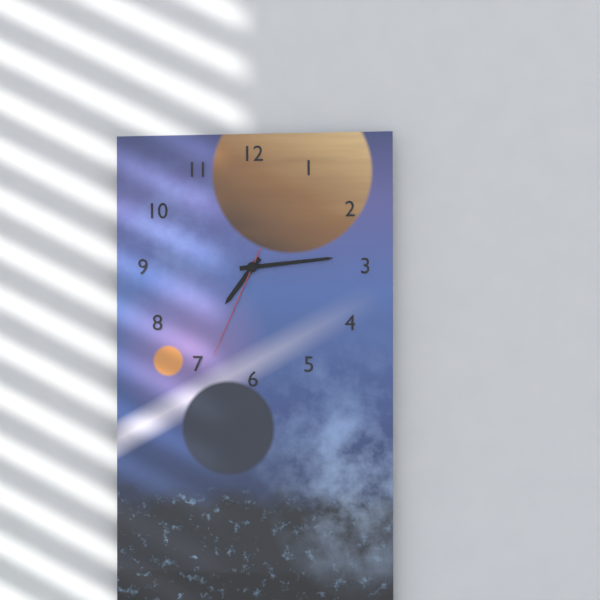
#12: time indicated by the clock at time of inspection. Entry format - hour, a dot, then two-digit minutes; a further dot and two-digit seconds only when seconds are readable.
7.14.34
